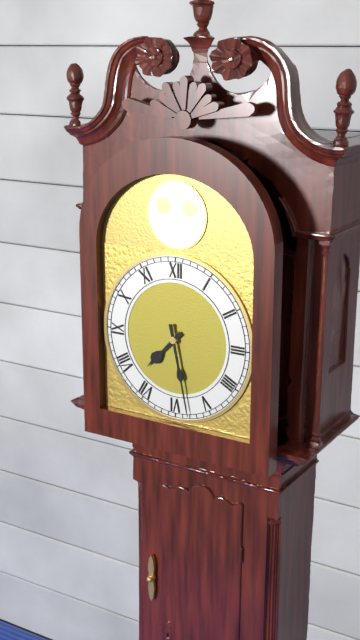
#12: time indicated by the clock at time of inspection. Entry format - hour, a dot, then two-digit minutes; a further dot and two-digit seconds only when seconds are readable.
7.28
